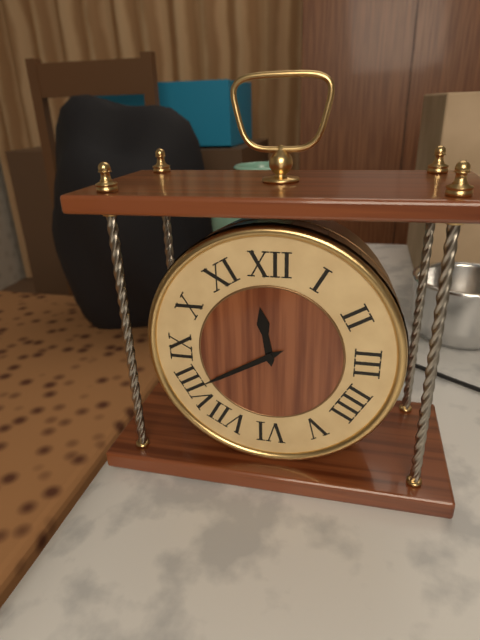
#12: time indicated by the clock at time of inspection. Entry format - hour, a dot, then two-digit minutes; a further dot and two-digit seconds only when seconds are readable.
11.40
